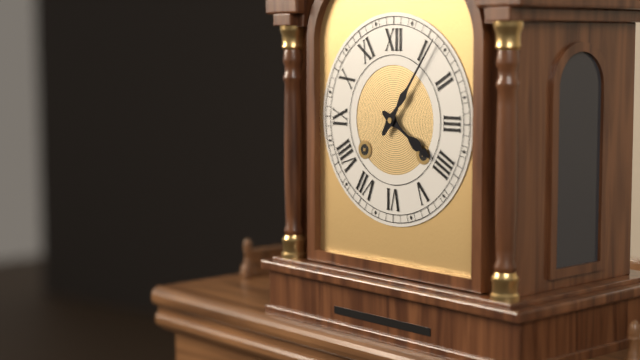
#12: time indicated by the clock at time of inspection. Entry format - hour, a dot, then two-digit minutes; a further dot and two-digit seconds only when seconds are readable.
4.06
